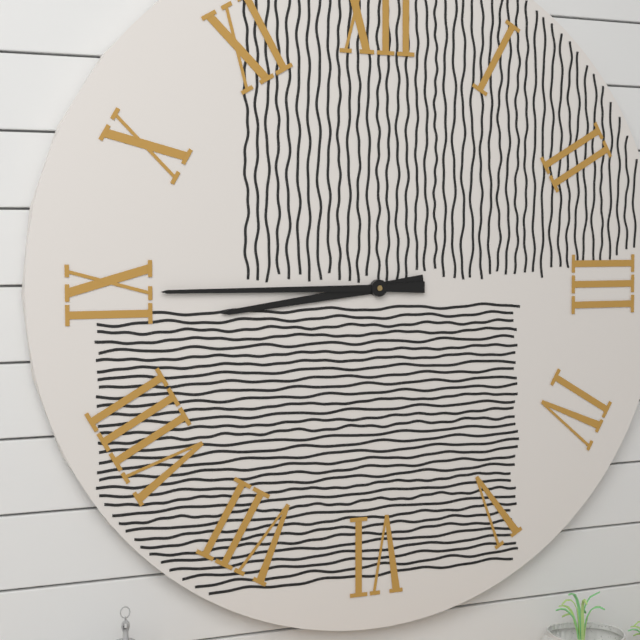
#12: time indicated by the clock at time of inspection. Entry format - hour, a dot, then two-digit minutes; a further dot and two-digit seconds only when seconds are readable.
8.45
